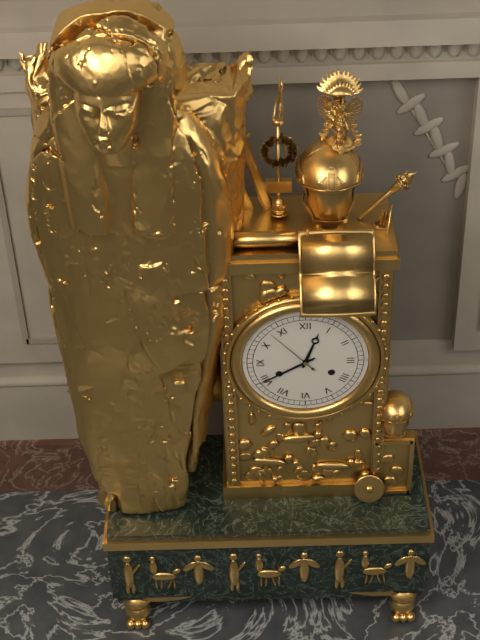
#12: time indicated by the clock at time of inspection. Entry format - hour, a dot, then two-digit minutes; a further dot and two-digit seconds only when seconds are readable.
12.40
